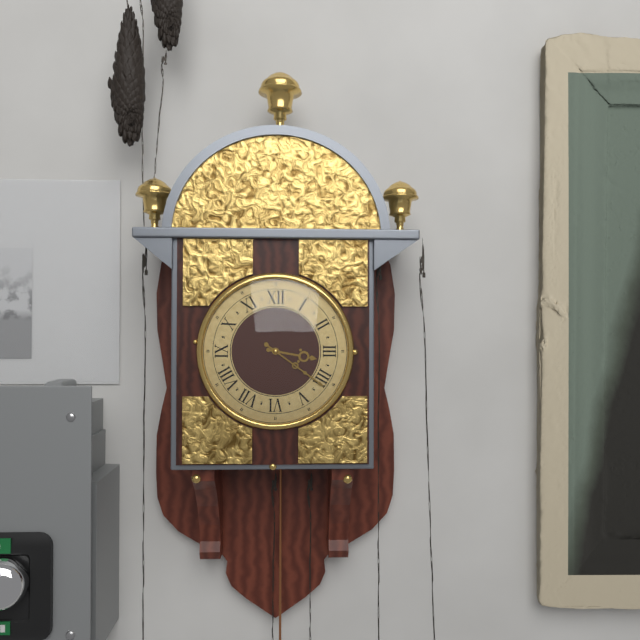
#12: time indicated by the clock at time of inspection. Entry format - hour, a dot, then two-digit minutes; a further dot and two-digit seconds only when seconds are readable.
3.21
